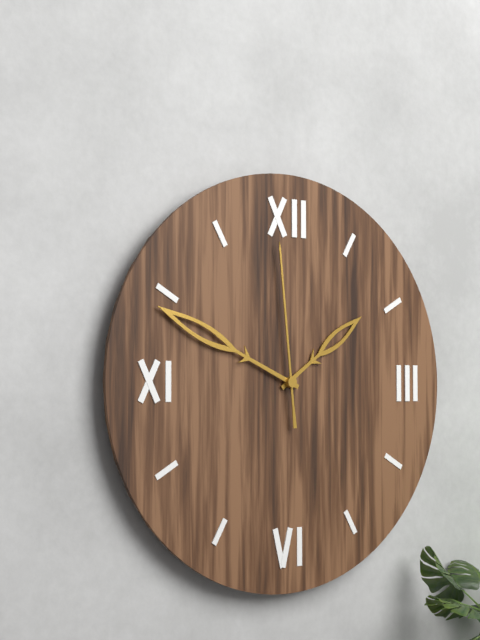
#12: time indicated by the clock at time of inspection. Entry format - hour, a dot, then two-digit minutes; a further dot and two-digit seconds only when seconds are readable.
1.49.59
